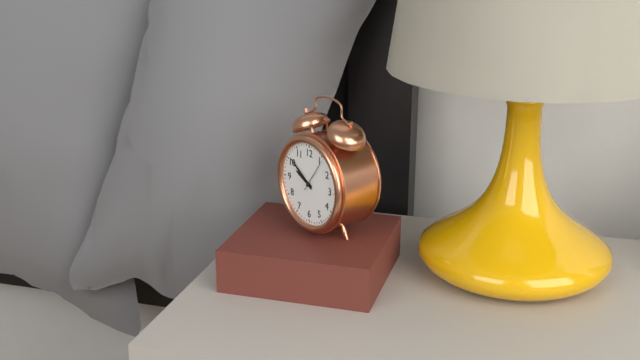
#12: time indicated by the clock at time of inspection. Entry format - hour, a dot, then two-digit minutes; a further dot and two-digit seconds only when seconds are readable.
9.51
